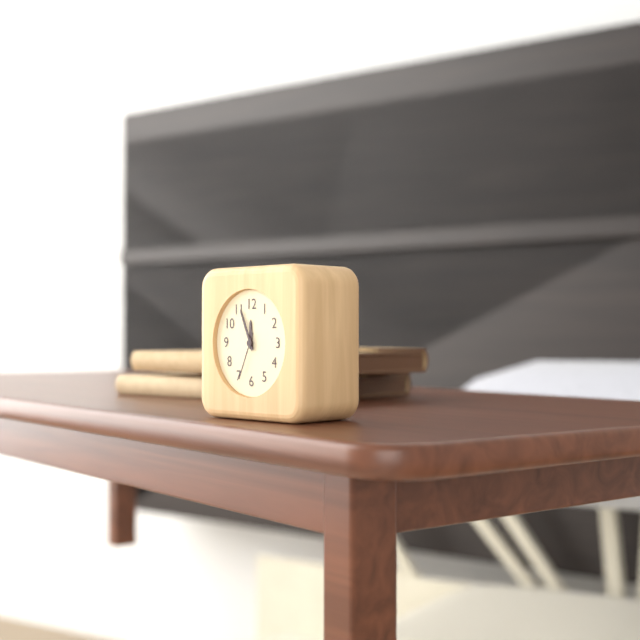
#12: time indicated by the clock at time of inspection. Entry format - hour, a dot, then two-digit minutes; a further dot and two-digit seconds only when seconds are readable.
11.56
